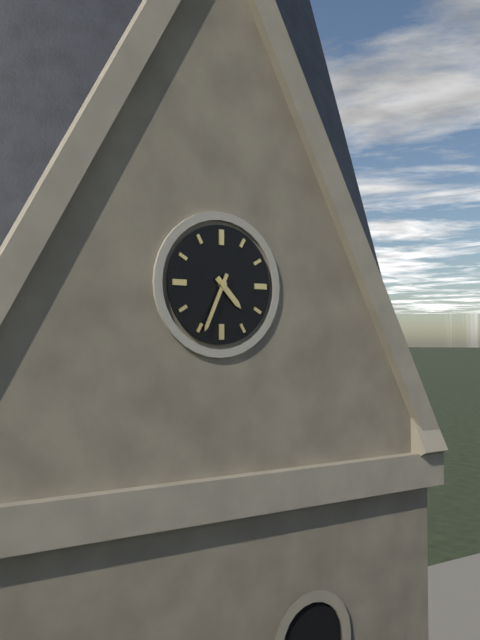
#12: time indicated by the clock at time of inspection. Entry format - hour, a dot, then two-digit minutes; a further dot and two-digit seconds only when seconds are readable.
4.34
